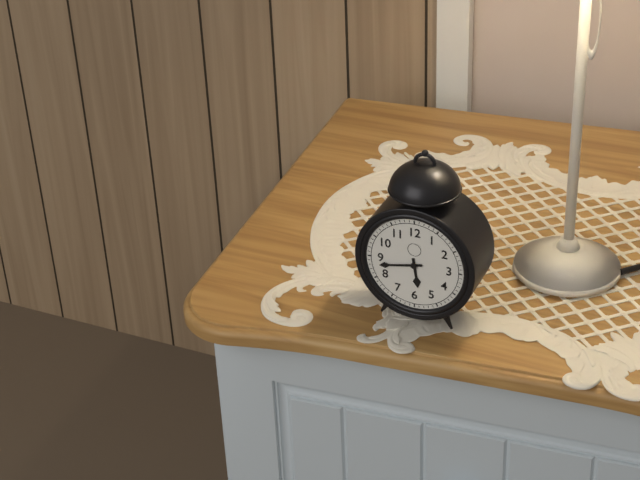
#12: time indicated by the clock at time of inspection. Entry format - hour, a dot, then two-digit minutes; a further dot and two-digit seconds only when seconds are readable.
5.43
